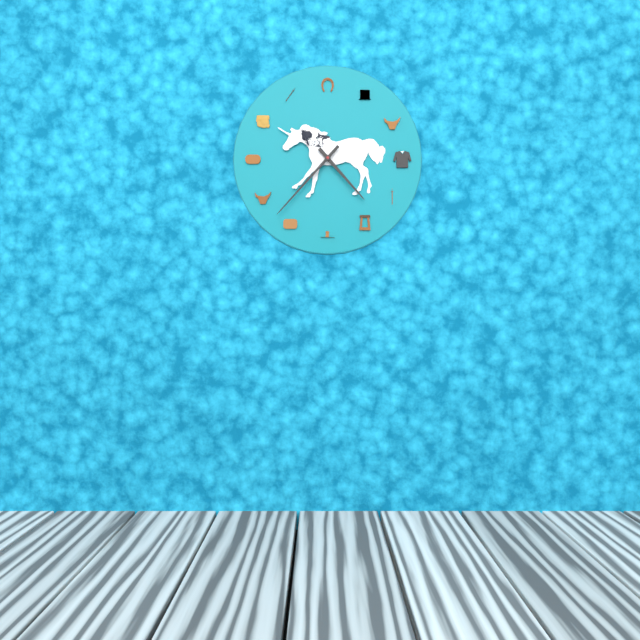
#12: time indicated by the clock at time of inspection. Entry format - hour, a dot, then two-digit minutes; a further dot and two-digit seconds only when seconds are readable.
4.37
